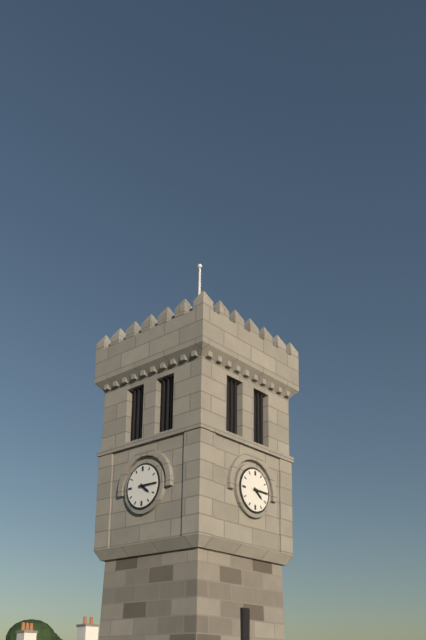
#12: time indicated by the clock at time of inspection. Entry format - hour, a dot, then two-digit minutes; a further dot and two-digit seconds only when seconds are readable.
4.15
